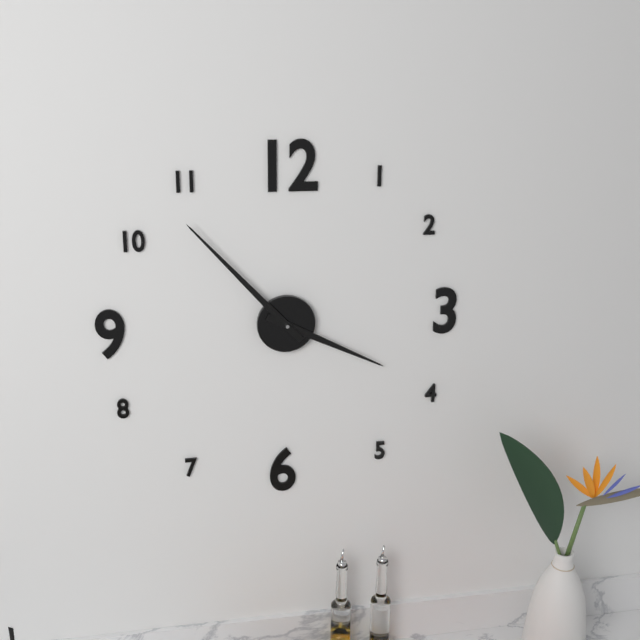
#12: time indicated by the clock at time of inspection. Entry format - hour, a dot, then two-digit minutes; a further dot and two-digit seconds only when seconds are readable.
3.53
